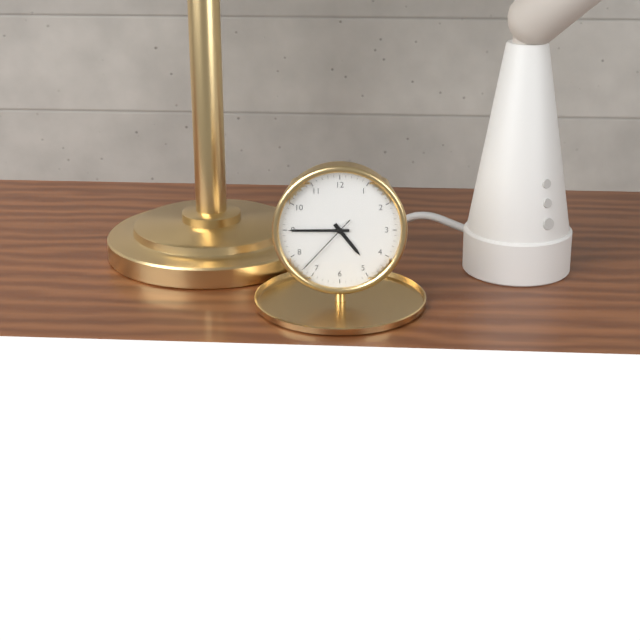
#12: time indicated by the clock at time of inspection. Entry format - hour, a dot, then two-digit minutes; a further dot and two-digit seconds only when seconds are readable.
4.45.37
